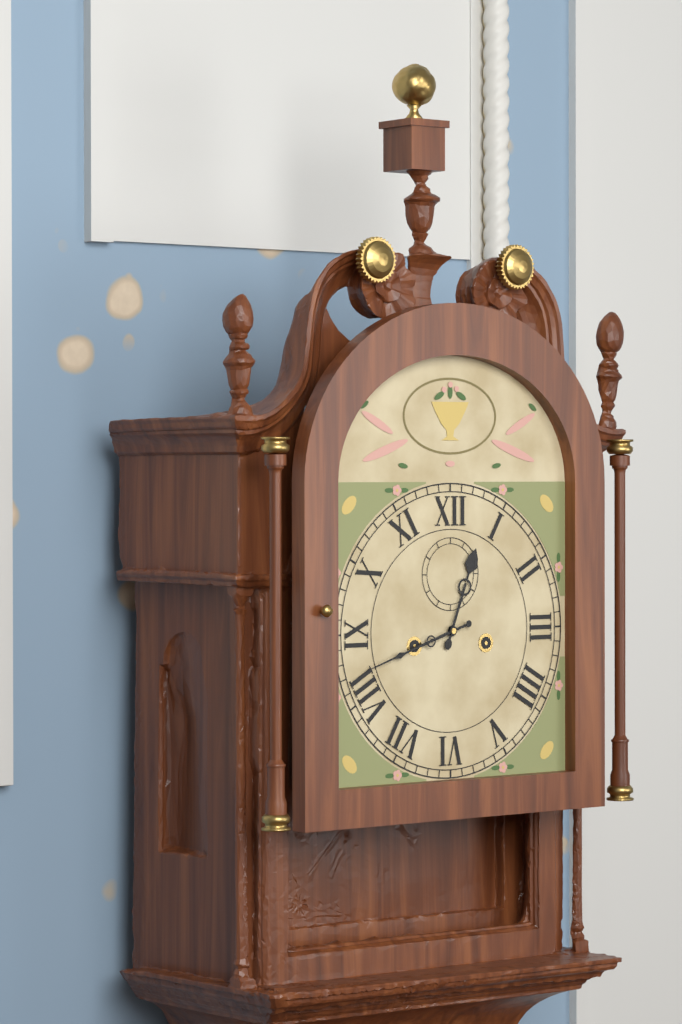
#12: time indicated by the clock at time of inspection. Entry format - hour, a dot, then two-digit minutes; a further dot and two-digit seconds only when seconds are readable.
12.42
